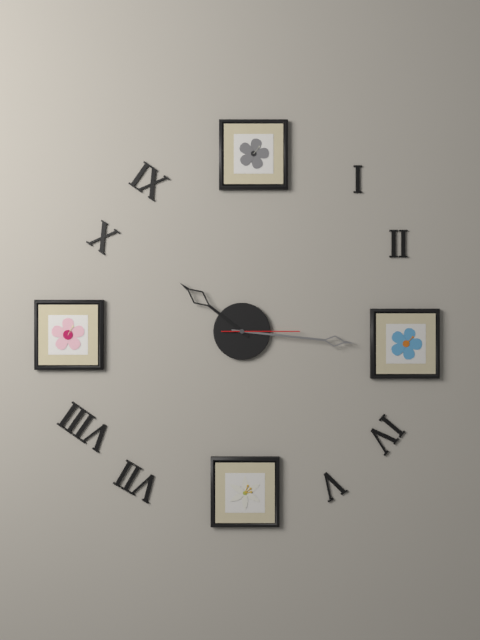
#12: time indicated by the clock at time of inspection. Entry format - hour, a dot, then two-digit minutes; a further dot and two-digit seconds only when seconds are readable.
10.16.15
